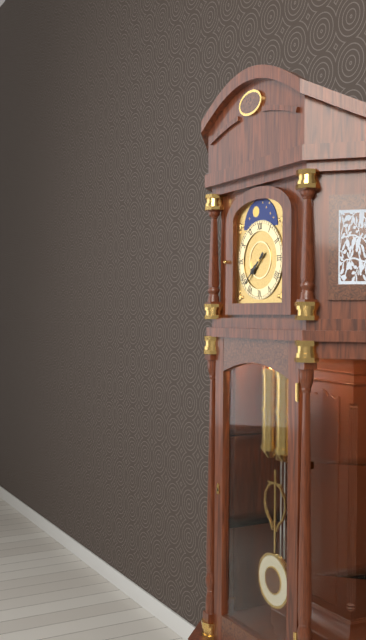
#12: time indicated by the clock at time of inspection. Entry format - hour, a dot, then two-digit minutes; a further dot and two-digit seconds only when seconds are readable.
7.38
